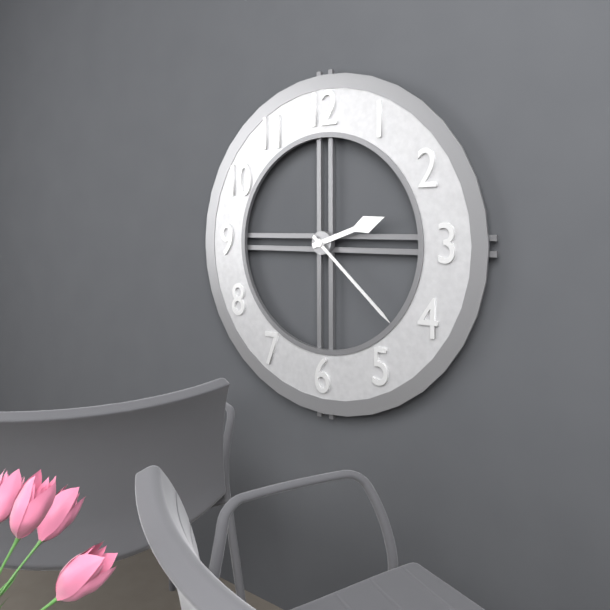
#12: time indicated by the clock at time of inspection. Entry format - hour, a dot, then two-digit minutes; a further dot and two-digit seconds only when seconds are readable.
2.22
